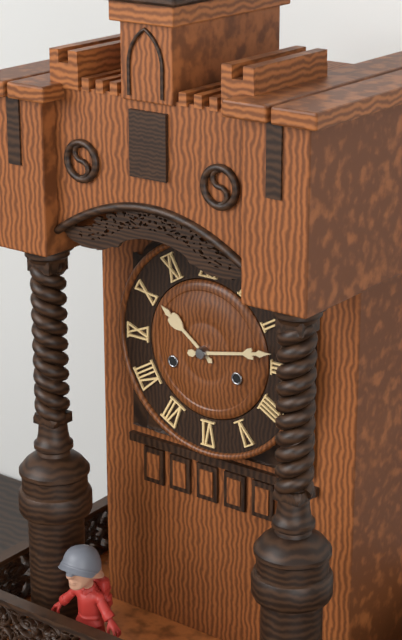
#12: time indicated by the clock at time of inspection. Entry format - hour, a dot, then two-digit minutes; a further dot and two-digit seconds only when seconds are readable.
10.13
